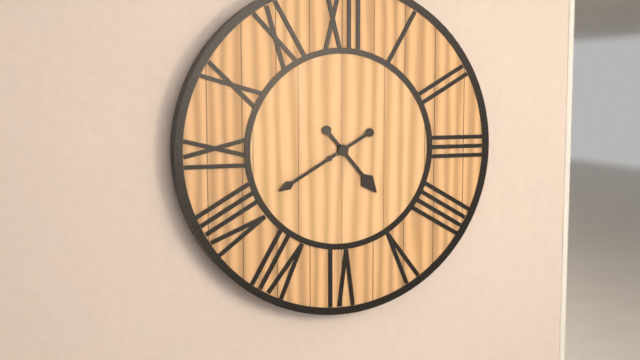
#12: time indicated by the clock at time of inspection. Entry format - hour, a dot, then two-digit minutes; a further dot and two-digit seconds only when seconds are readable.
4.40
